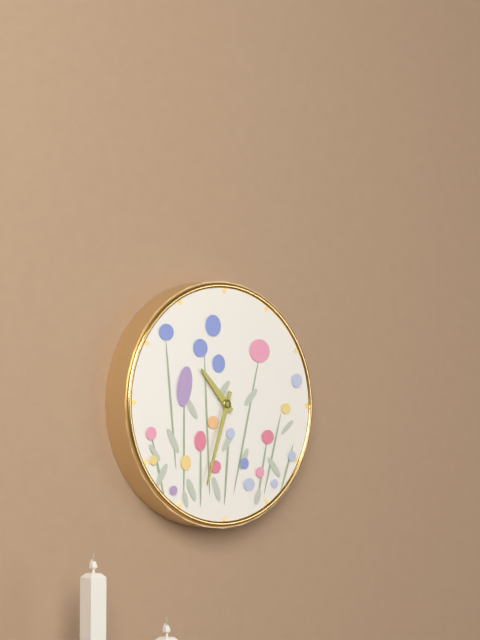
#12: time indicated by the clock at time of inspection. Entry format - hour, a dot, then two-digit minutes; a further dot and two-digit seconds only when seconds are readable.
10.33
